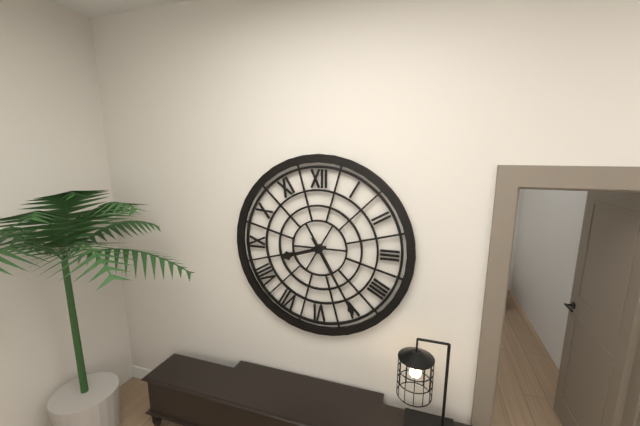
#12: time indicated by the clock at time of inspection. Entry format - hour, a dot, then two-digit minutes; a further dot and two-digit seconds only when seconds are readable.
8.25
